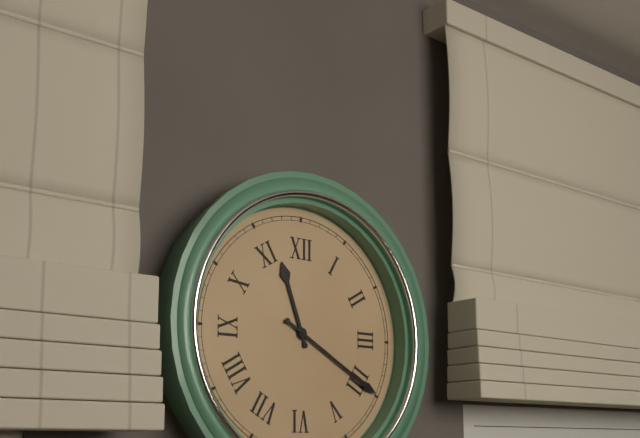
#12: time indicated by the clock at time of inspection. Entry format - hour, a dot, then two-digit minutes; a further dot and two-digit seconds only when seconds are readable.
11.20
